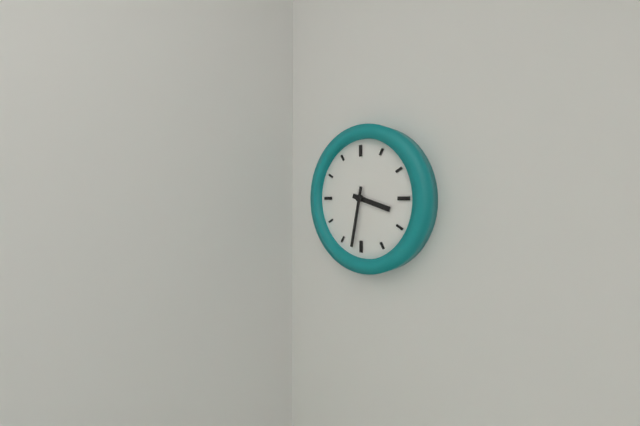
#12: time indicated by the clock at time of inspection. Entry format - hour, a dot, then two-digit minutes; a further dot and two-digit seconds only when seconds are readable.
3.32
